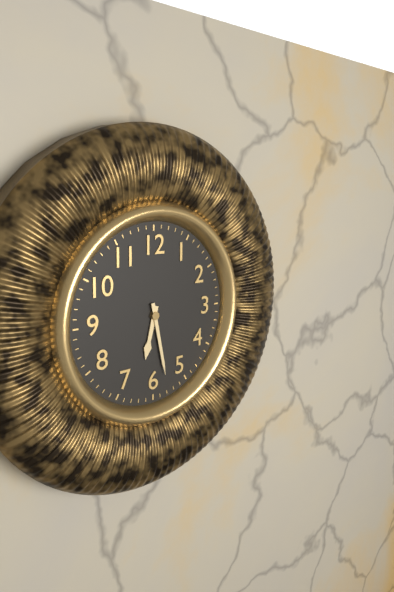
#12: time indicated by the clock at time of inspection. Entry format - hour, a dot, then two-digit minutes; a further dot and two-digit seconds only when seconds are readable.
6.28
